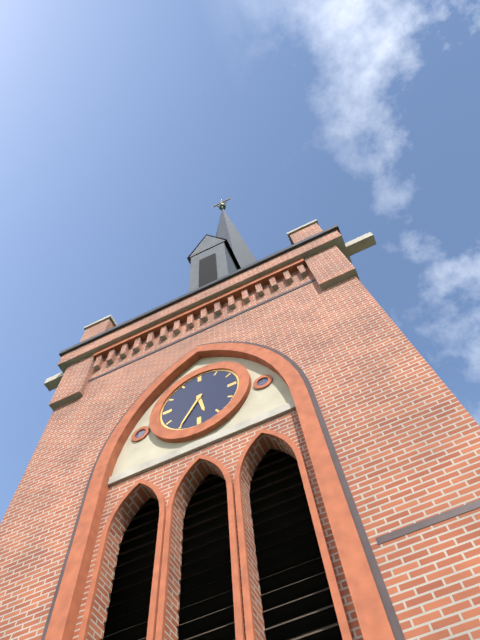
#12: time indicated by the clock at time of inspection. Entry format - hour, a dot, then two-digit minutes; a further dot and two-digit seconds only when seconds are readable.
5.35
